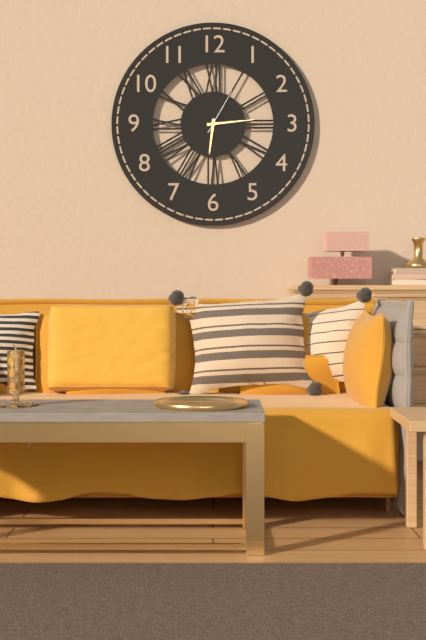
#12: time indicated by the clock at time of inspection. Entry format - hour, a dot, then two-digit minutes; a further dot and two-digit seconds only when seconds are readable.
6.14
